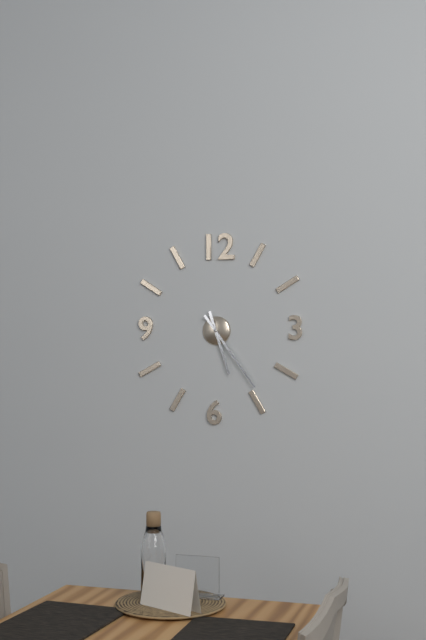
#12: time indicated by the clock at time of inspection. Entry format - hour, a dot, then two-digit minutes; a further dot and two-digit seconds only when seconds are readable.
5.24
